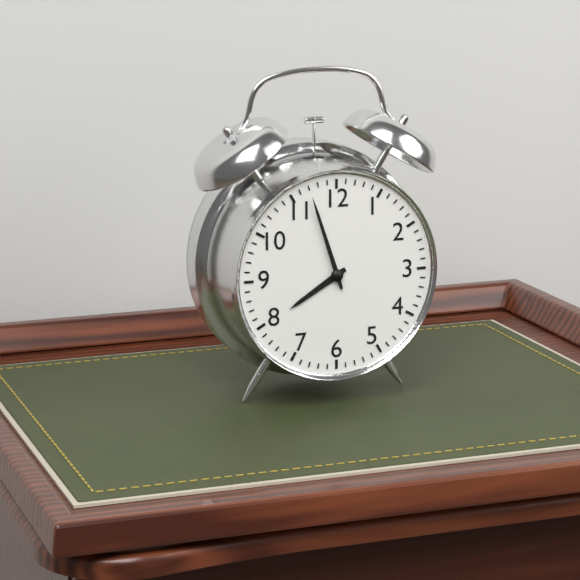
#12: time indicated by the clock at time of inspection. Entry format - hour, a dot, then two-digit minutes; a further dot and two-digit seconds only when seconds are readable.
7.57
